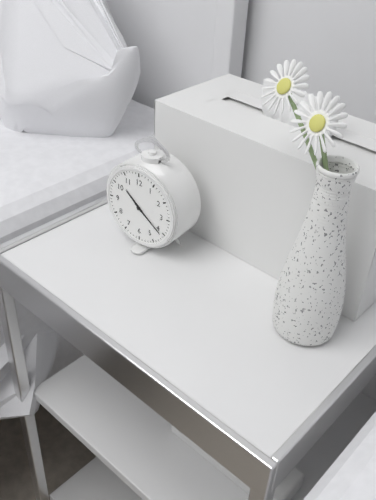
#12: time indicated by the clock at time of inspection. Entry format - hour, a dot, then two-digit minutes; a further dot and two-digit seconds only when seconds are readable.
10.21
